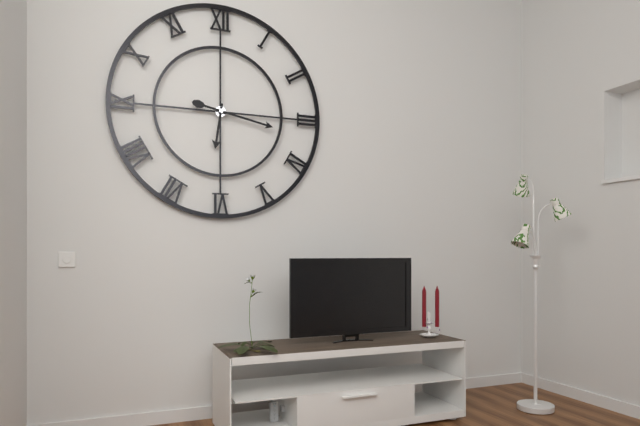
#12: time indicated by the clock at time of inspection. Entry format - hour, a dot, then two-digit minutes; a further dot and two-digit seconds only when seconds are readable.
6.17
